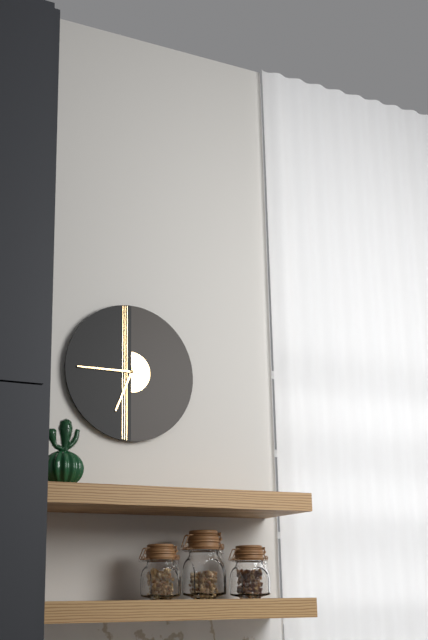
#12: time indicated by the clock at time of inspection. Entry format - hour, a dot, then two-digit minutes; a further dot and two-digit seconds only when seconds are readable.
6.45
